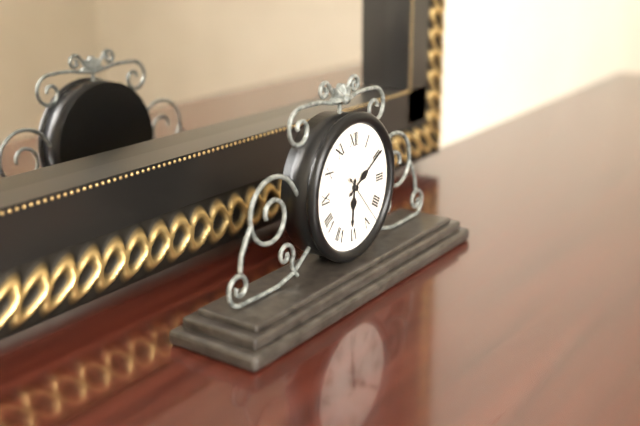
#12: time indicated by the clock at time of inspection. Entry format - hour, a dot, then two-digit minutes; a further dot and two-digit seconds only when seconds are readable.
6.10.23
